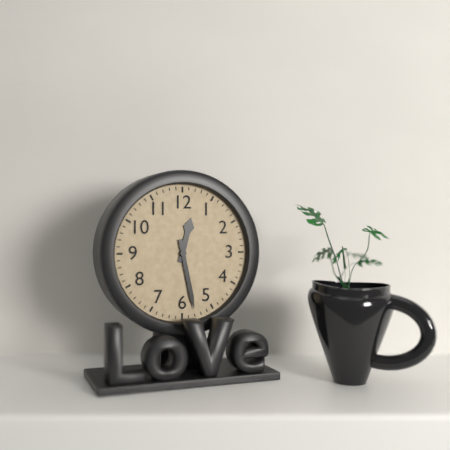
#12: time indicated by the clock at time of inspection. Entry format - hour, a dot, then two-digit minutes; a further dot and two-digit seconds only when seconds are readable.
12.28
